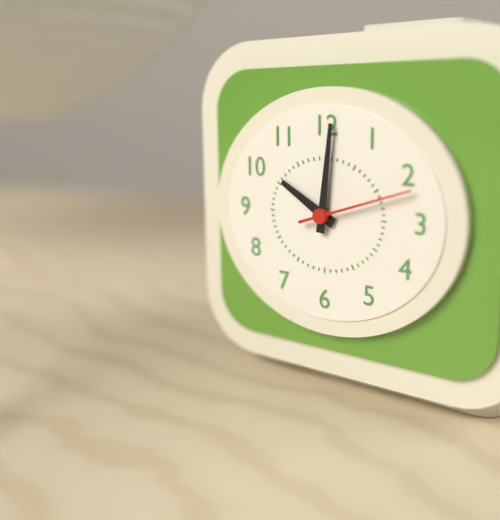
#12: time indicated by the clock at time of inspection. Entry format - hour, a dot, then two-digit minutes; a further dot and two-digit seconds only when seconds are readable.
10.01.12
